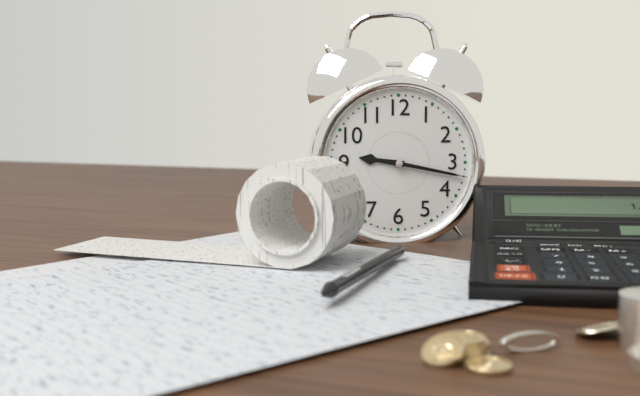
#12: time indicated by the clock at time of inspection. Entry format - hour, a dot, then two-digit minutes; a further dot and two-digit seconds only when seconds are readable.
9.17.17
